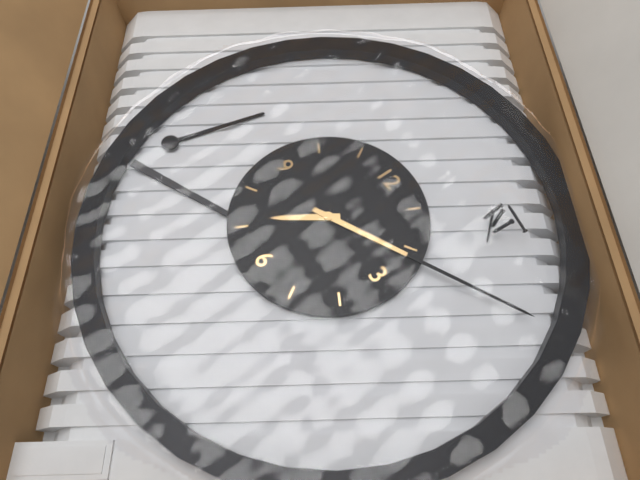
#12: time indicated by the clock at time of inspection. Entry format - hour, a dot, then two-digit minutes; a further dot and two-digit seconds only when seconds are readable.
7.11
